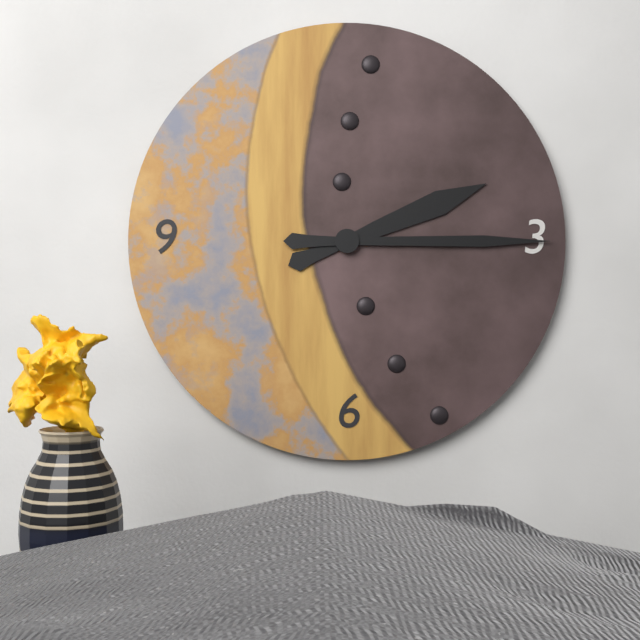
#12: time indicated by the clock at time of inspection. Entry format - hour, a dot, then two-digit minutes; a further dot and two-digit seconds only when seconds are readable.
2.15
